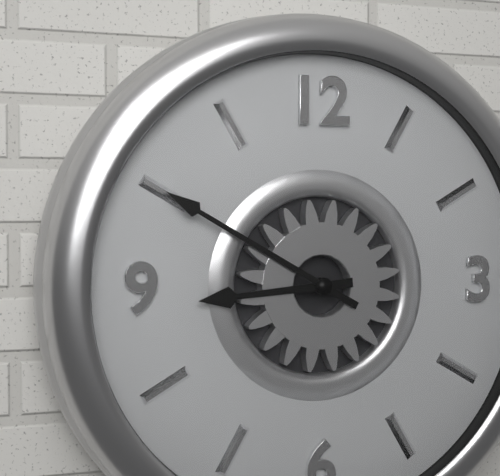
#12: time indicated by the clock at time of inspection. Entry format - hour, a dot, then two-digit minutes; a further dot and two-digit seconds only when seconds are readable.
8.50
